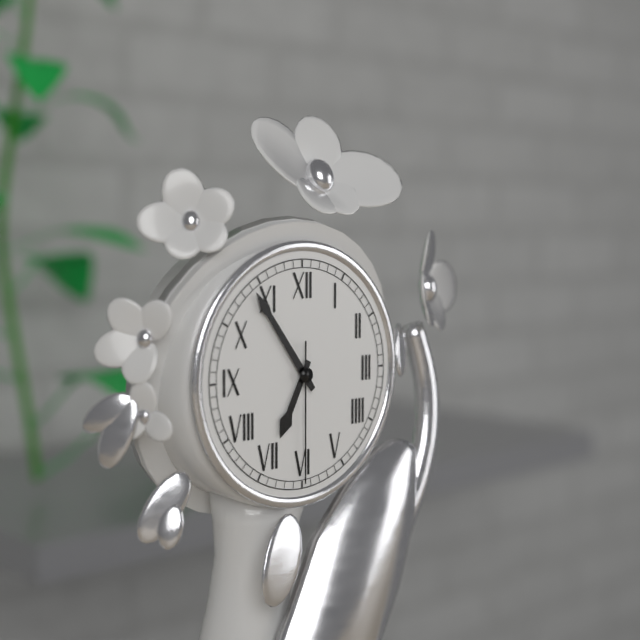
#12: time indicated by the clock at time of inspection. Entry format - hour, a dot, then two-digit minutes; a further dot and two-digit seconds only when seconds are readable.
6.54.30
